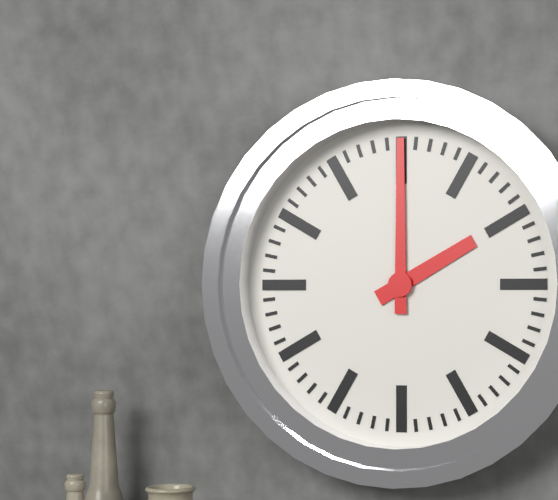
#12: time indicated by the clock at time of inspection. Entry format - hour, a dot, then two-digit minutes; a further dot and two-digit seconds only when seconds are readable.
2.00
